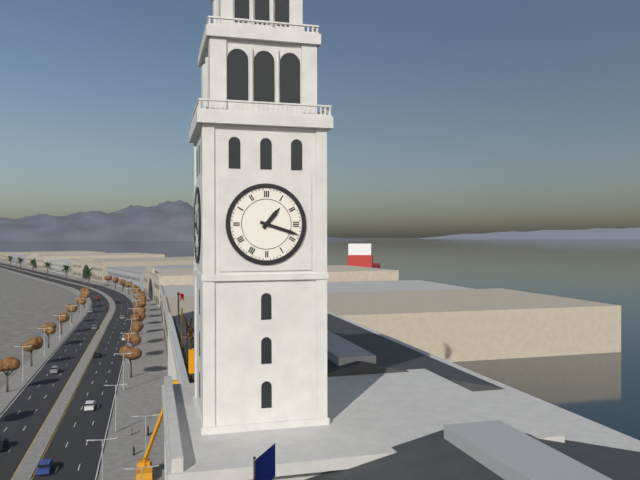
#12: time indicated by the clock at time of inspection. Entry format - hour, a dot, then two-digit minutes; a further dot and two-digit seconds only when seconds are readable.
1.18
